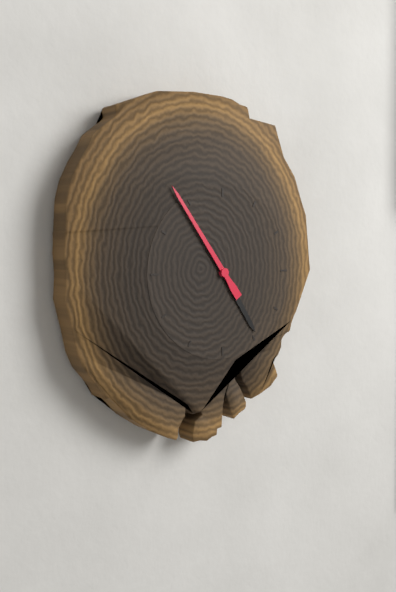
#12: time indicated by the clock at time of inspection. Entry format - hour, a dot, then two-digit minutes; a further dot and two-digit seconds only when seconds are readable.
4.54
